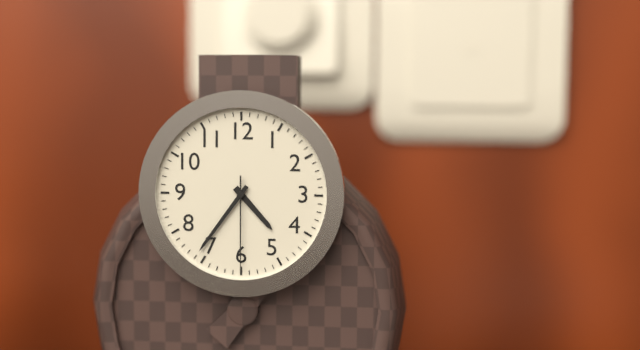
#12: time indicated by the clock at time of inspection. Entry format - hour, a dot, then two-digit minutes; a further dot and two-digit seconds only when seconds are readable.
4.36.30
